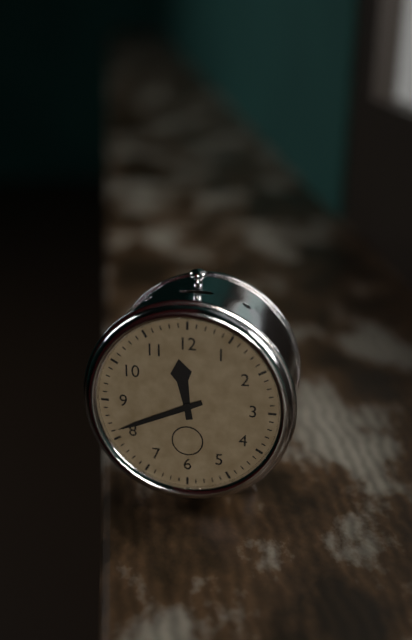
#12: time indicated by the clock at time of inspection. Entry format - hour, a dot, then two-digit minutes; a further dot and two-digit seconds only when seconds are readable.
11.41
